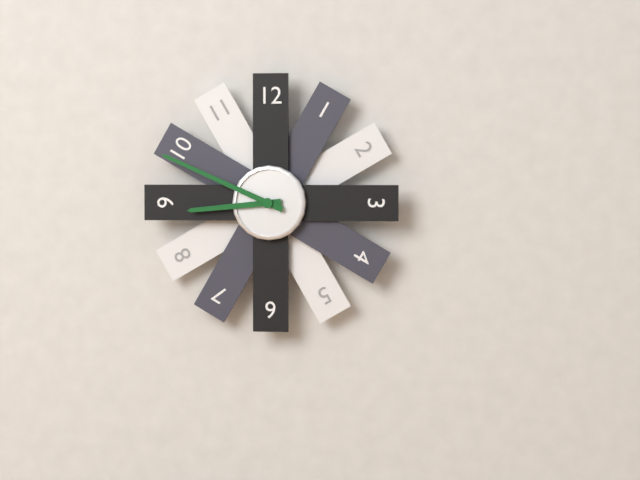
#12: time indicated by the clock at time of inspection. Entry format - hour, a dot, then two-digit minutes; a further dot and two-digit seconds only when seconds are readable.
8.49
